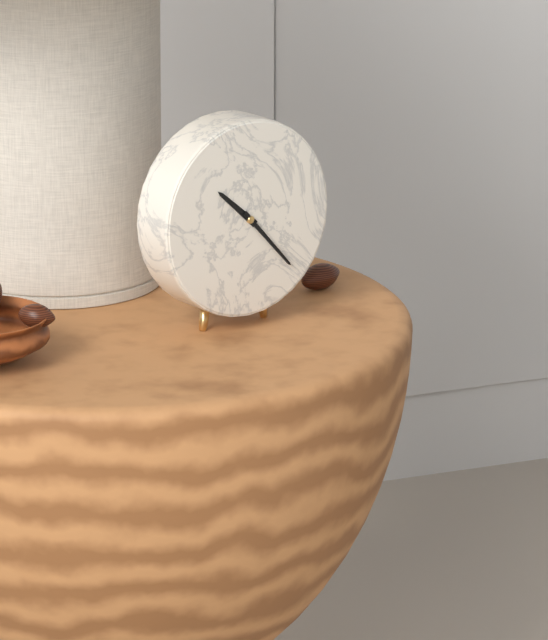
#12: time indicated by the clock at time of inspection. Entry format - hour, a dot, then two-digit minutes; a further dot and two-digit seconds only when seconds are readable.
10.23
